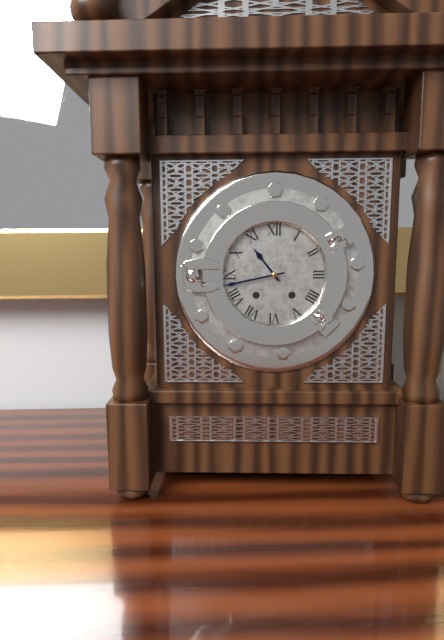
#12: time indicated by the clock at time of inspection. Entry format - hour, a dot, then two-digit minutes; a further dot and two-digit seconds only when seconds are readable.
10.43
